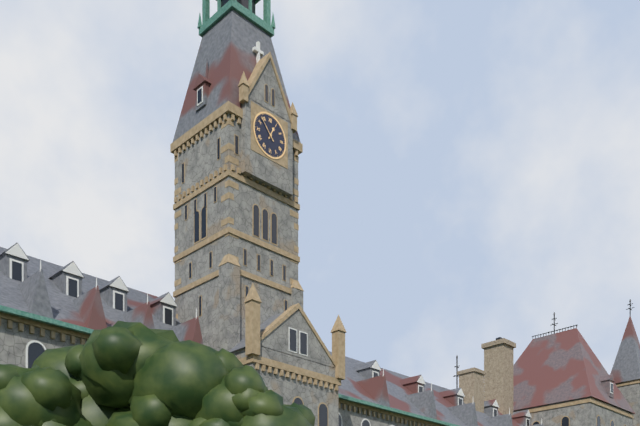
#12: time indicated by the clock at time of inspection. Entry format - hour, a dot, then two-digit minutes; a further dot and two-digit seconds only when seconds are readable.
12.53
